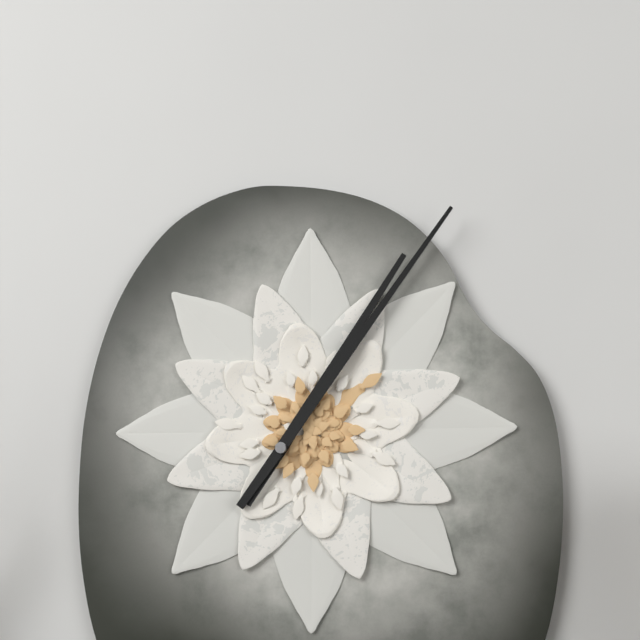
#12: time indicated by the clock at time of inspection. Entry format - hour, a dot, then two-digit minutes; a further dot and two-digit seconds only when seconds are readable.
1.06
